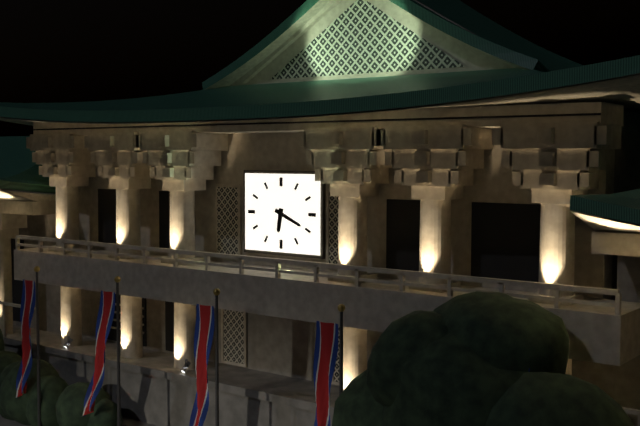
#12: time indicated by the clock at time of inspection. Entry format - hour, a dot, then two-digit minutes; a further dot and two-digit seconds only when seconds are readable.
6.19
